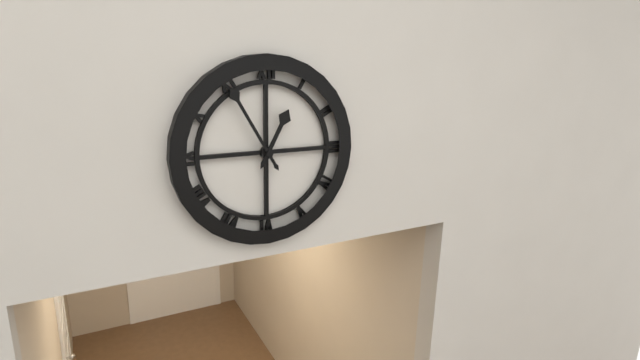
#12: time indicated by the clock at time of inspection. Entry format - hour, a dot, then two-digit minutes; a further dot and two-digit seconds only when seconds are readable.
12.55
